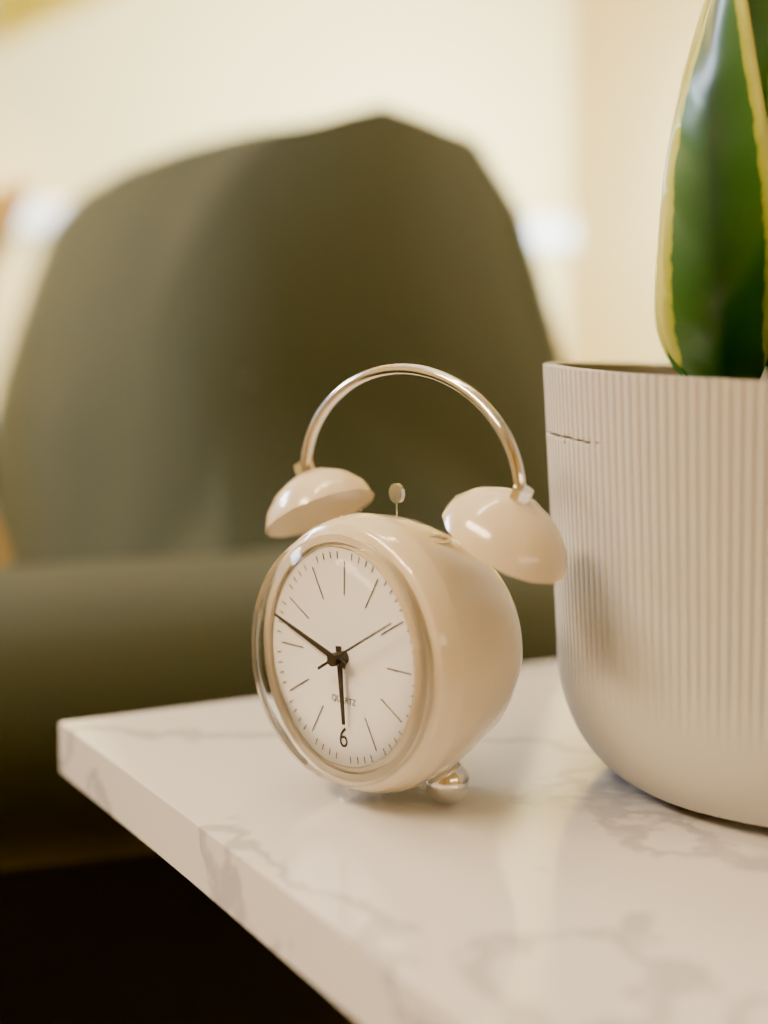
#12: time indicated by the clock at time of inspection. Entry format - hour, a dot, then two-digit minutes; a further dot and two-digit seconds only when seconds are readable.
5.48.10
